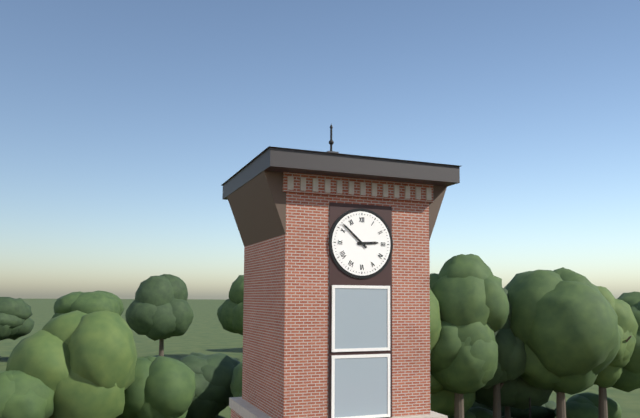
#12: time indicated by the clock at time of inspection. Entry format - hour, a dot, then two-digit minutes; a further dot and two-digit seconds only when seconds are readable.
2.52
